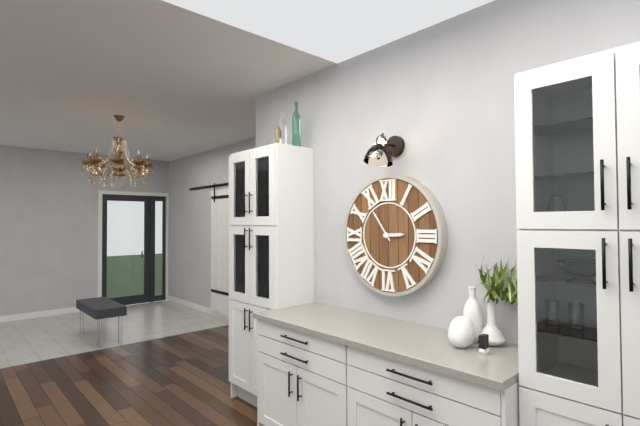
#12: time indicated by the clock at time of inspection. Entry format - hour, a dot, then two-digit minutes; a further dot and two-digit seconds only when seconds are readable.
2.54
